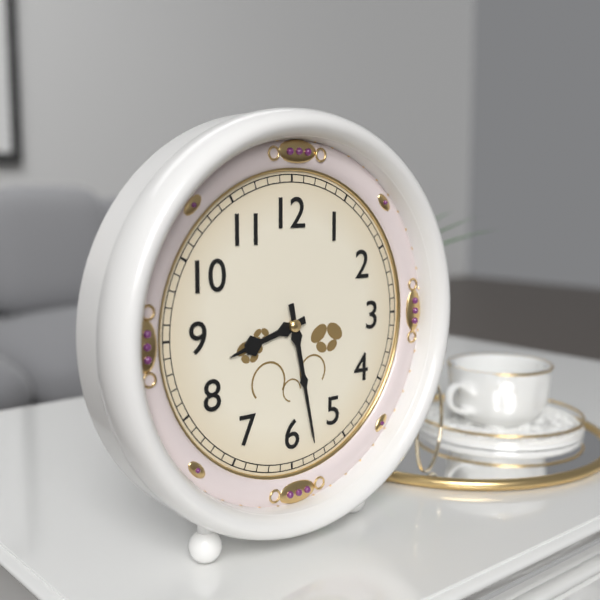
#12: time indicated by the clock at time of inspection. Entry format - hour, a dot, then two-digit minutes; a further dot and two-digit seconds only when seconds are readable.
8.28
